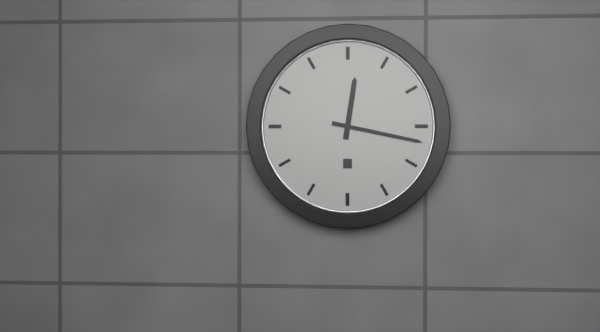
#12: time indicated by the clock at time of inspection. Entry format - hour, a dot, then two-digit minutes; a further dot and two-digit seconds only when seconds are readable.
12.17
